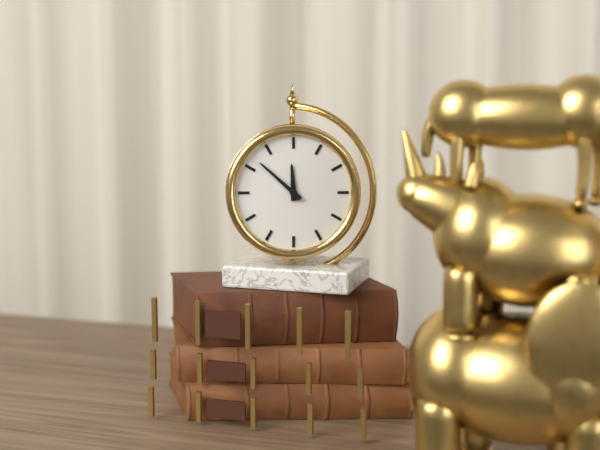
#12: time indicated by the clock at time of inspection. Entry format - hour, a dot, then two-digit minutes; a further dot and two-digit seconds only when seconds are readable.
11.52
